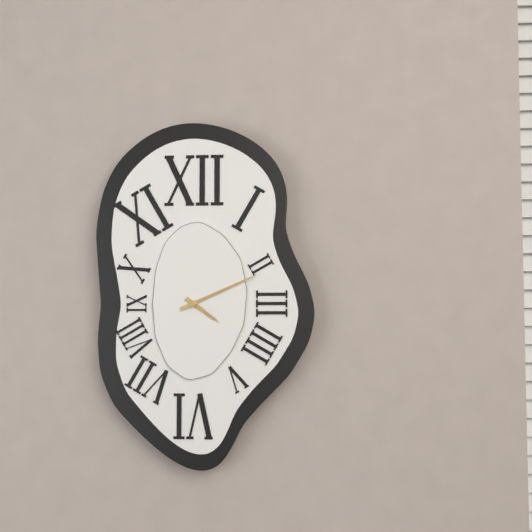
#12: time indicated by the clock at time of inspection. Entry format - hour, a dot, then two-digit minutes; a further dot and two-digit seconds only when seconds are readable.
4.11
